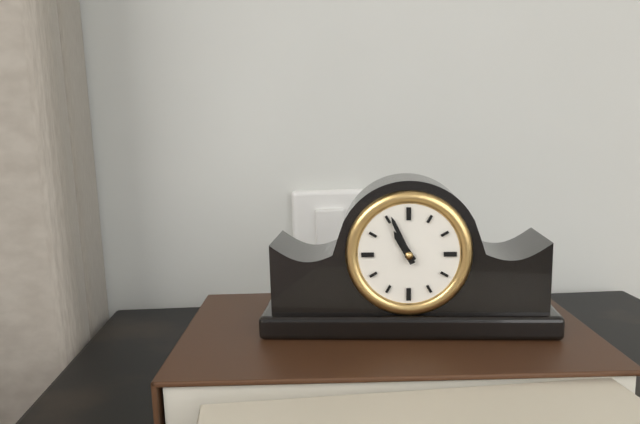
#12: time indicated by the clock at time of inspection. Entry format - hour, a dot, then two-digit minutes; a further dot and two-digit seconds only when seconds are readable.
10.56
